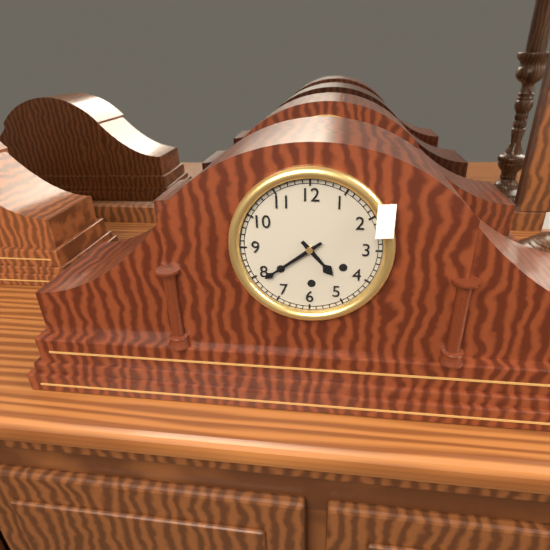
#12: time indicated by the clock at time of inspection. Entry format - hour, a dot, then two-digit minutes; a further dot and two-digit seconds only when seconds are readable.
4.39
